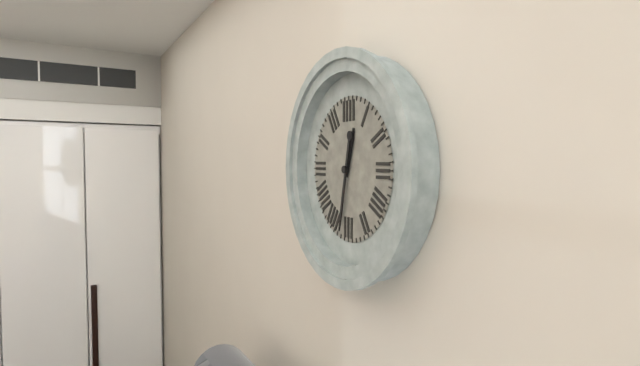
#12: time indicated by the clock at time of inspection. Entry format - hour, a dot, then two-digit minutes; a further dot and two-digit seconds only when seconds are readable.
12.32
